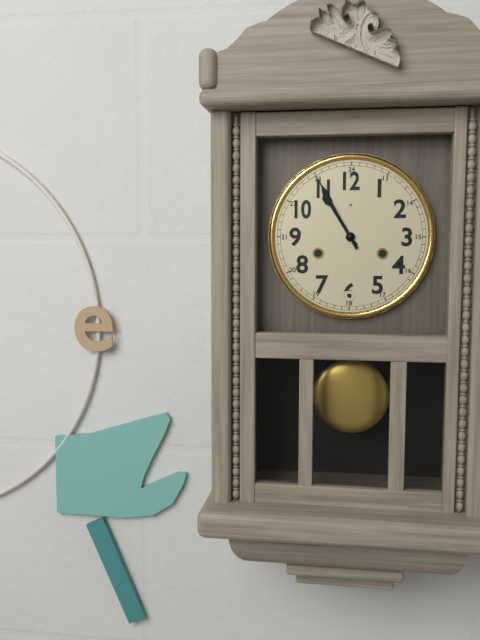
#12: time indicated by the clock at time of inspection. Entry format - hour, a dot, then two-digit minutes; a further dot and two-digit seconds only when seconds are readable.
10.55
